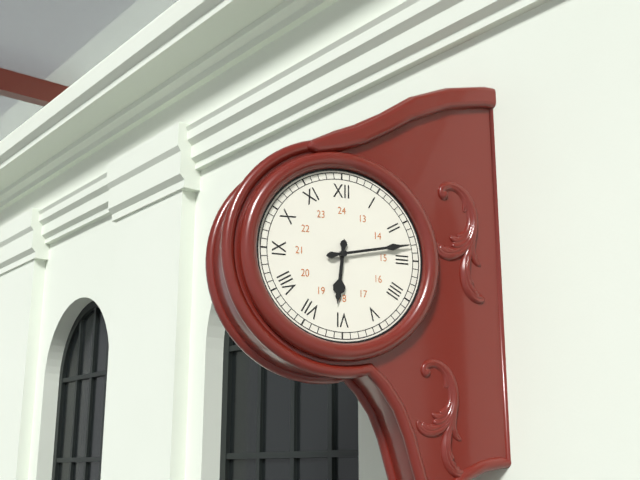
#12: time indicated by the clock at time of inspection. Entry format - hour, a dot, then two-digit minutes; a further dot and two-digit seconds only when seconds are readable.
6.13
